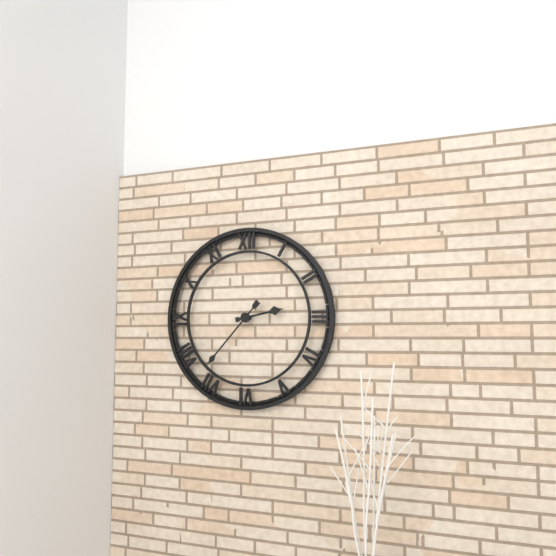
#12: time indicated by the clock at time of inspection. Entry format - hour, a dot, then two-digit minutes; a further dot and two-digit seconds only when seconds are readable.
2.37
